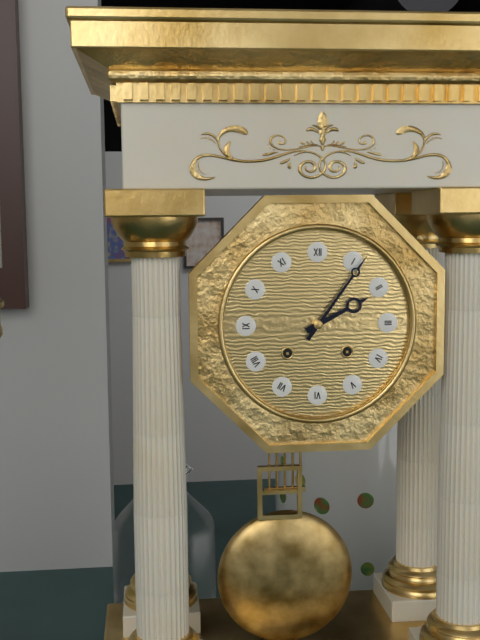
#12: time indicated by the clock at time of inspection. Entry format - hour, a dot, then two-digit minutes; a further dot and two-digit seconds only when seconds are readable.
2.06
